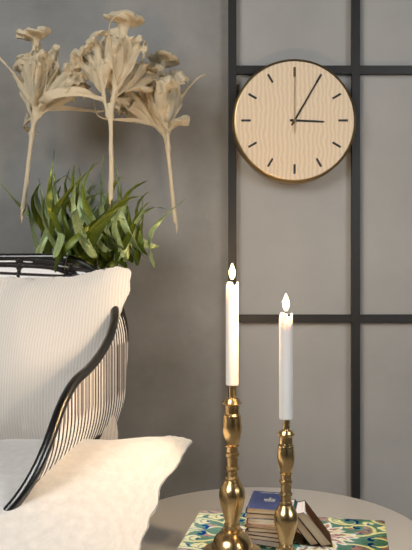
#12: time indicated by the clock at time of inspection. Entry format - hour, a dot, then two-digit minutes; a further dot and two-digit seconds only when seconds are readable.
3.05.00
